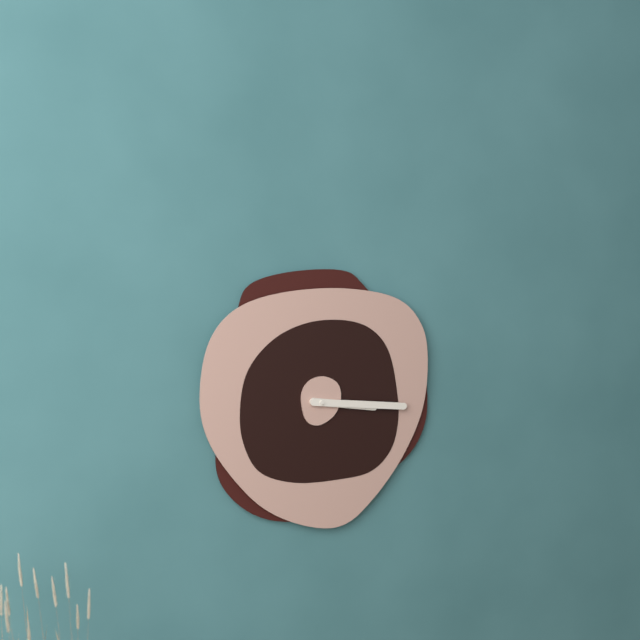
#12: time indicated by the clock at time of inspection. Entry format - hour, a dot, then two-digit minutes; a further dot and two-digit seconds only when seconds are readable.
3.16
